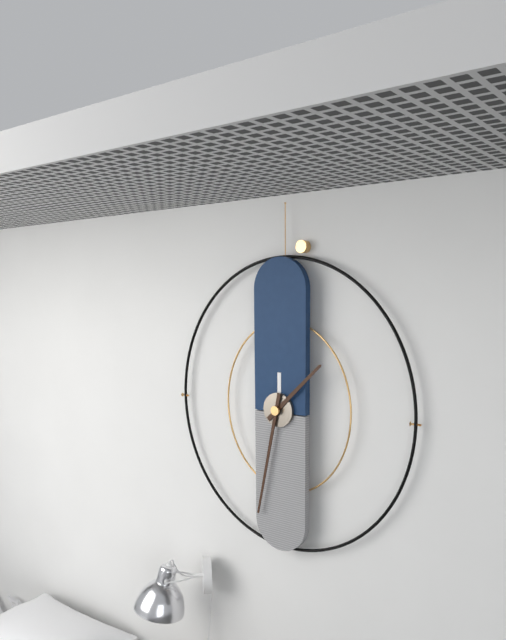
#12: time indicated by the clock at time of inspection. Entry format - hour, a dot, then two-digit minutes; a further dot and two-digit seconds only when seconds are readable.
1.32
